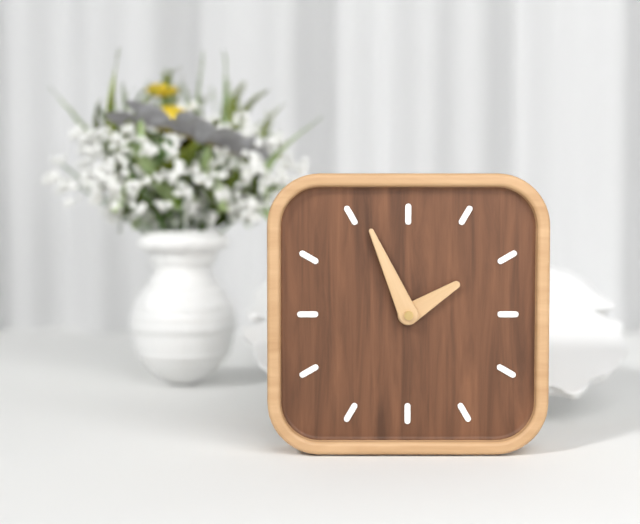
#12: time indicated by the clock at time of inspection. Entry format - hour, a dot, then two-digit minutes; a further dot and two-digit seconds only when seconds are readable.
1.56
